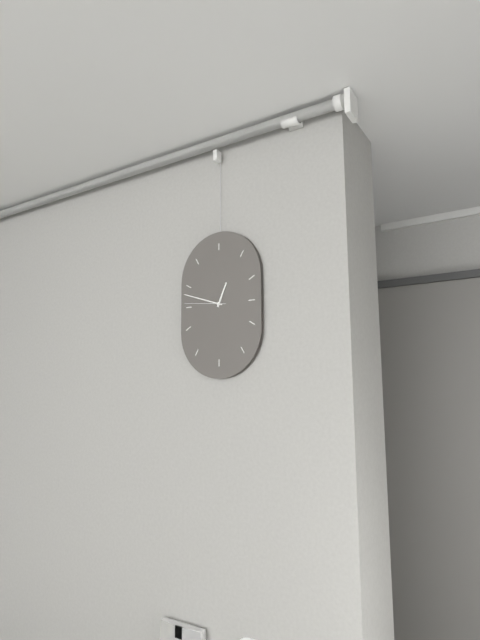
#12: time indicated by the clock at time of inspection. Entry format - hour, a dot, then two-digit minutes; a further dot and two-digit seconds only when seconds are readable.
12.48
